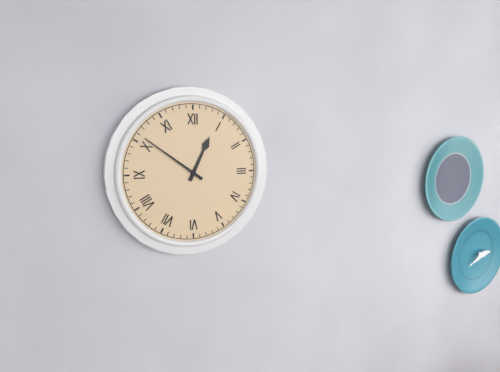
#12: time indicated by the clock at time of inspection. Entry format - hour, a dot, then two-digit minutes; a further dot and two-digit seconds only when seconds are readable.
12.51
